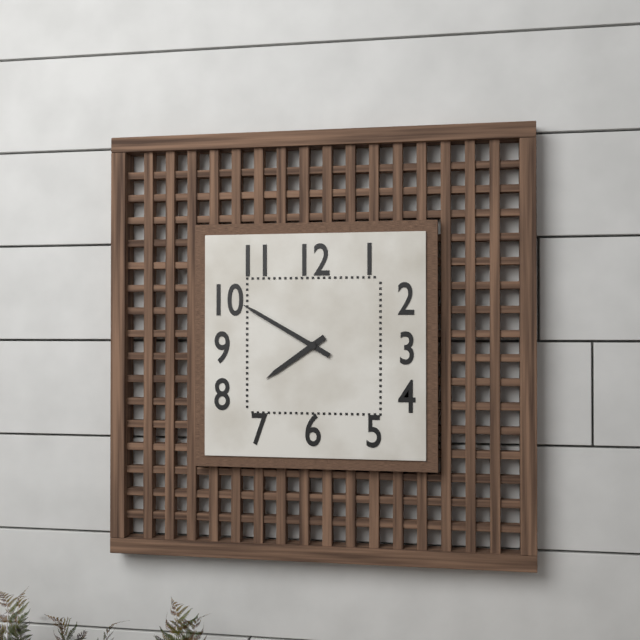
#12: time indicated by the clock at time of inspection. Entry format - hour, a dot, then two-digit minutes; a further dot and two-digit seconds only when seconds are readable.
7.50
